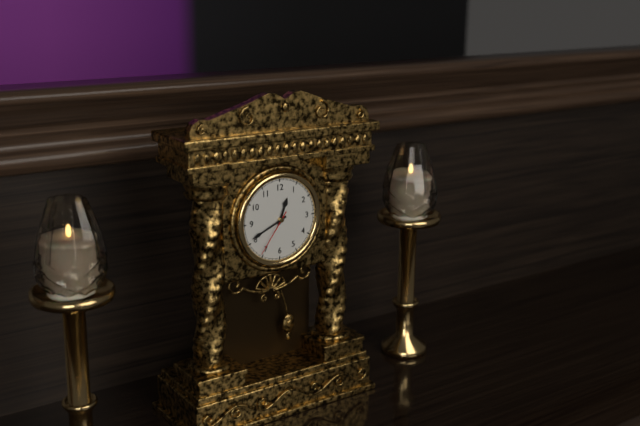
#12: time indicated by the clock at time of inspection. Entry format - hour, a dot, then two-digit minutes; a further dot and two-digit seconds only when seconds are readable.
12.41
